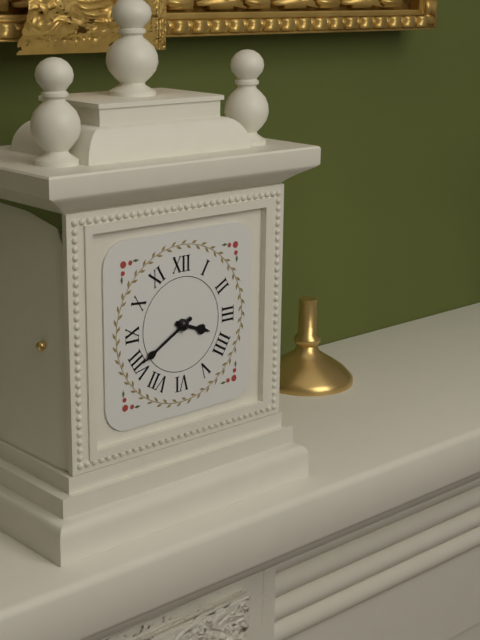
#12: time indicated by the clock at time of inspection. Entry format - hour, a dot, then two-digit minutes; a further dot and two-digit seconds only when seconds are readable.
3.40
